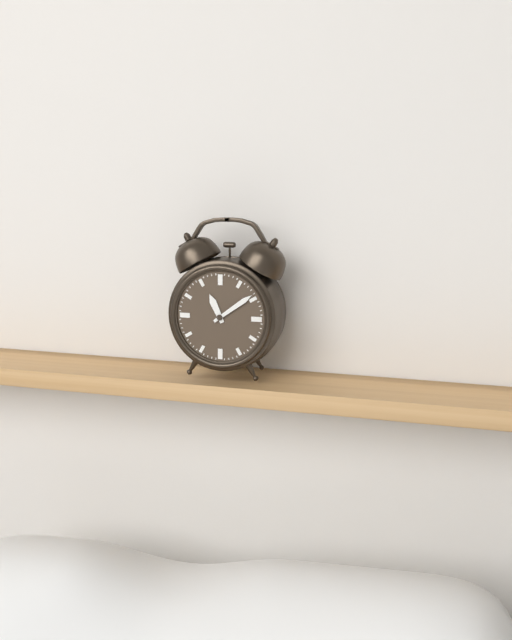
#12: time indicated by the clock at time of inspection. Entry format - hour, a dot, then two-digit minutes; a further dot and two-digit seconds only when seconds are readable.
11.09
